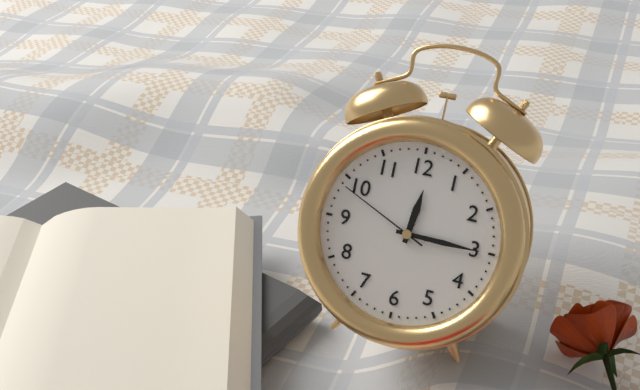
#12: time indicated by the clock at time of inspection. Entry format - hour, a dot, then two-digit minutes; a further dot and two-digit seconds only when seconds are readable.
12.15.49
